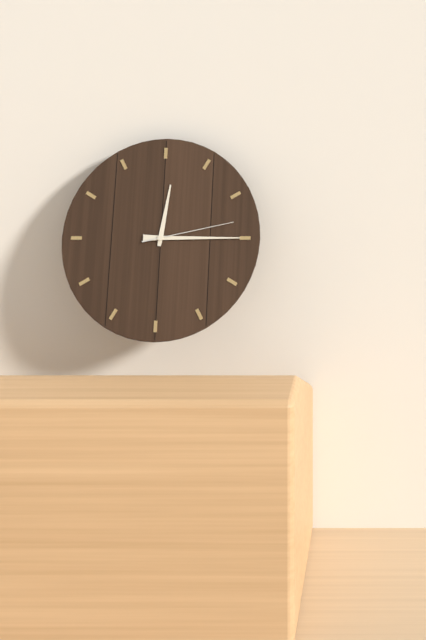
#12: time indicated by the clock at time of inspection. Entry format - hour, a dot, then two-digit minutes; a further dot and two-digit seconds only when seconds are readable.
12.15.13
